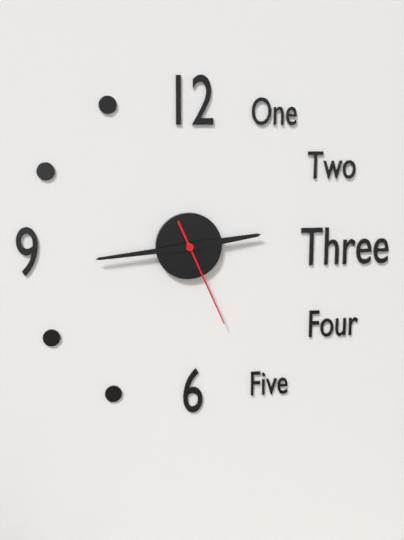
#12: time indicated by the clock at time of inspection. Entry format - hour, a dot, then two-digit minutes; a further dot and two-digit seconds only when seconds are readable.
2.44.26
